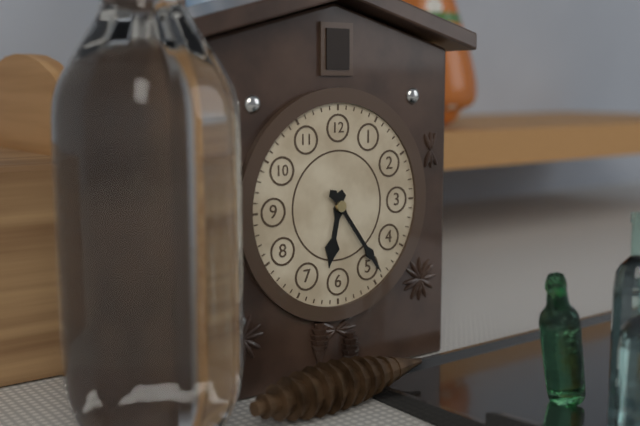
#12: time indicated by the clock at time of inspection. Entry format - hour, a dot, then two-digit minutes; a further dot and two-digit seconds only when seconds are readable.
6.24
